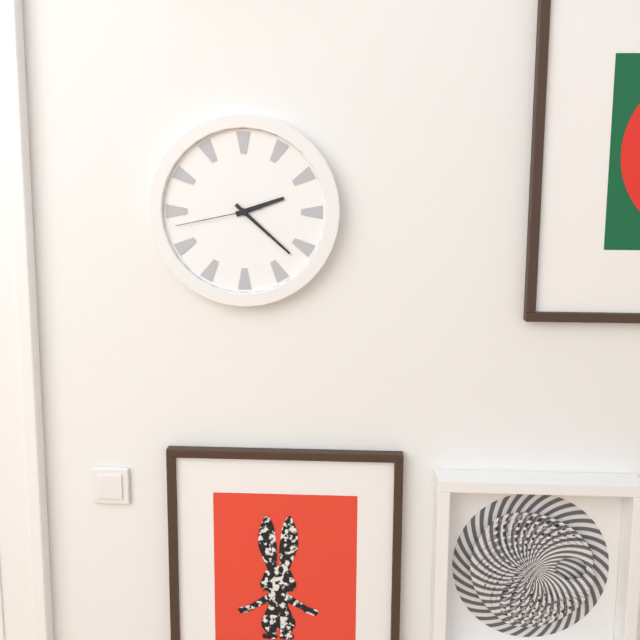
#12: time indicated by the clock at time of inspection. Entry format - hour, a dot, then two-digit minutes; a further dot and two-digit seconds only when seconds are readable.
2.22.43
